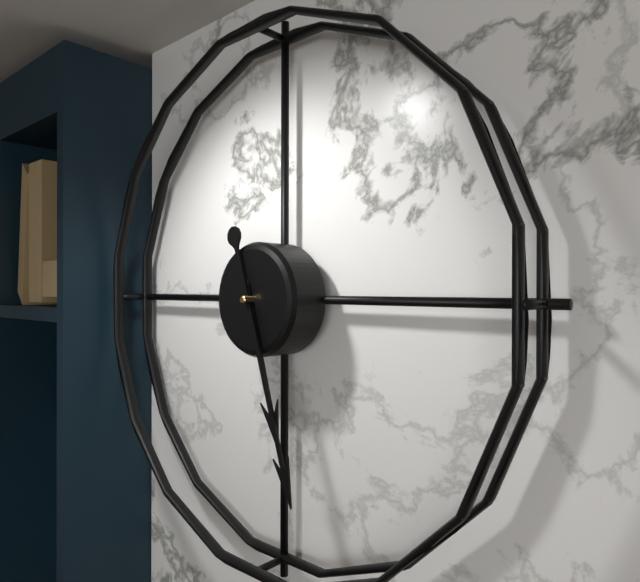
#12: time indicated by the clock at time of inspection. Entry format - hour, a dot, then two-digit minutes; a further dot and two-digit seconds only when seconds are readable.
5.27
